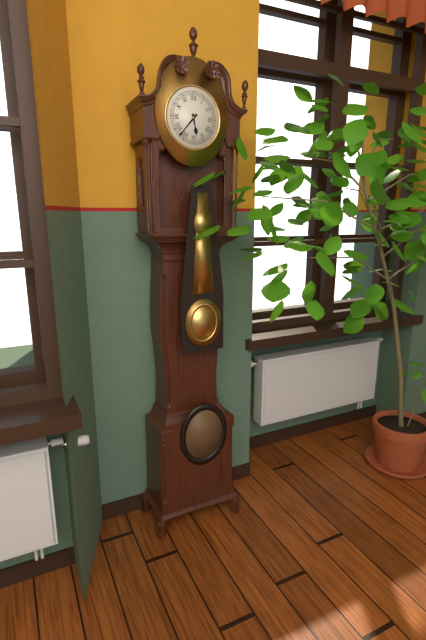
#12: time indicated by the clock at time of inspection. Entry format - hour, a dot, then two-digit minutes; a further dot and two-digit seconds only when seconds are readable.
5.37
